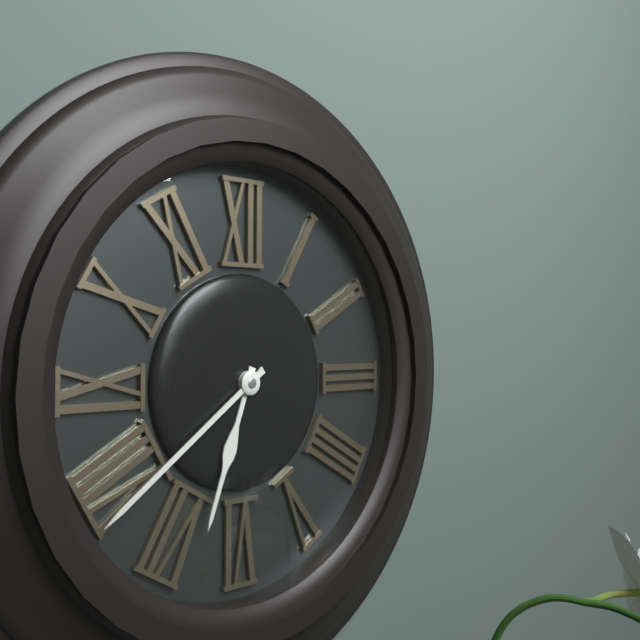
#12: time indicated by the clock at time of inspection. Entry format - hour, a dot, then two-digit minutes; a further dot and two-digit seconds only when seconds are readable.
6.39
